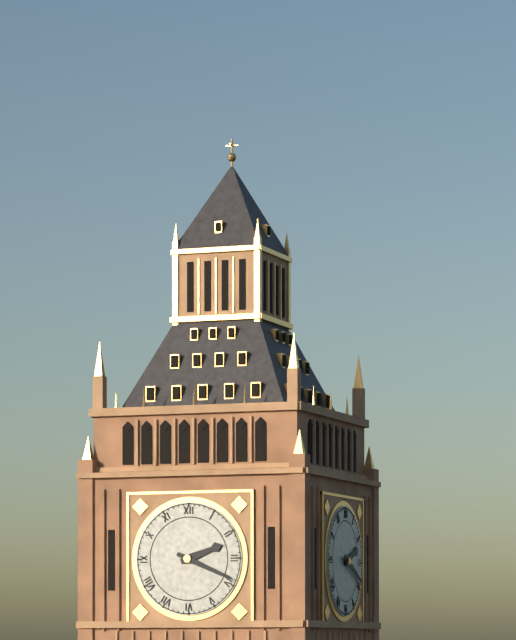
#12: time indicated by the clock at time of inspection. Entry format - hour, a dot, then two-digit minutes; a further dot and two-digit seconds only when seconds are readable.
2.19
